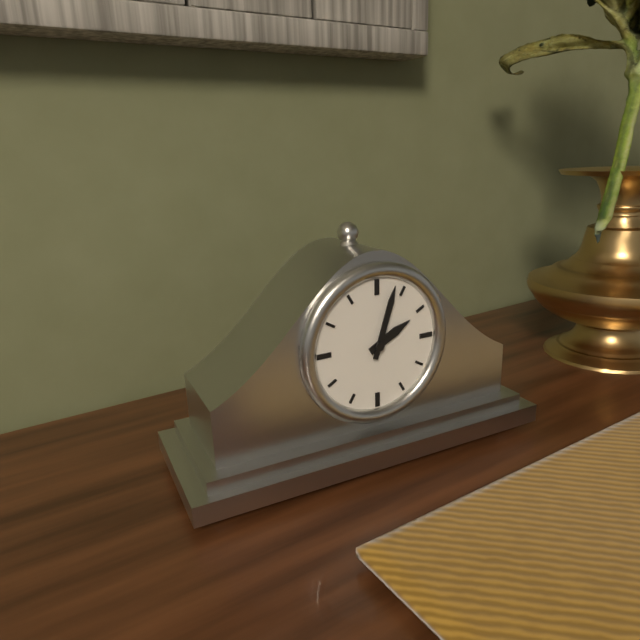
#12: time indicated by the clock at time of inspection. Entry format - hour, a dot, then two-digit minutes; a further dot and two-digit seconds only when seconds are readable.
2.03
